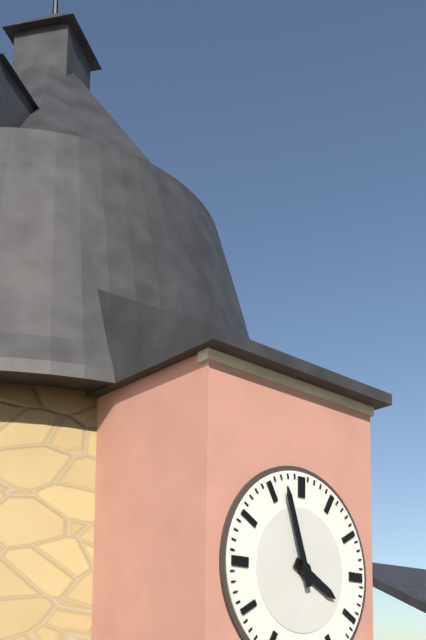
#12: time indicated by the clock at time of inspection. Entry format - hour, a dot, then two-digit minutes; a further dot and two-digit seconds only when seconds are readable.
3.57
